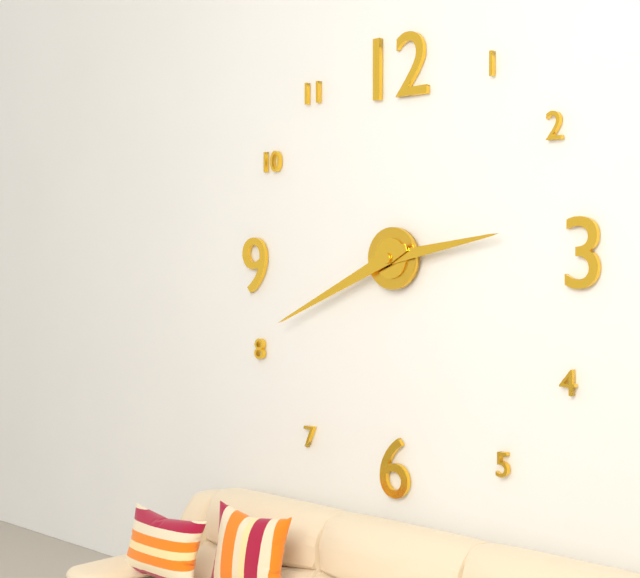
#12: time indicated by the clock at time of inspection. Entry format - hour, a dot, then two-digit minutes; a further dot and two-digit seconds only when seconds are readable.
2.41
